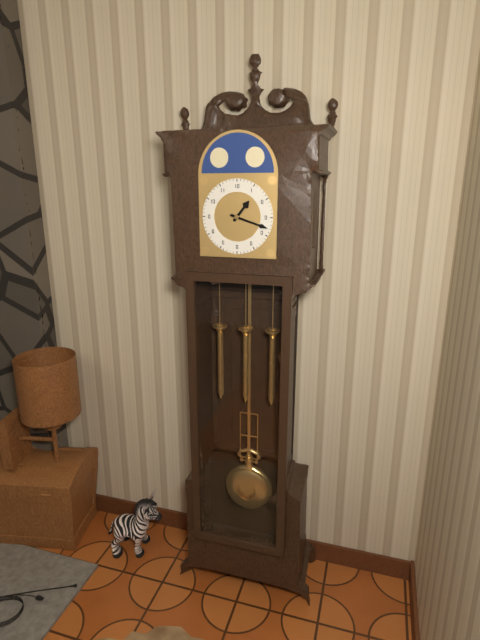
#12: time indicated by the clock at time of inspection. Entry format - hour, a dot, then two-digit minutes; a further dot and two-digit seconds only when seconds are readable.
1.18
